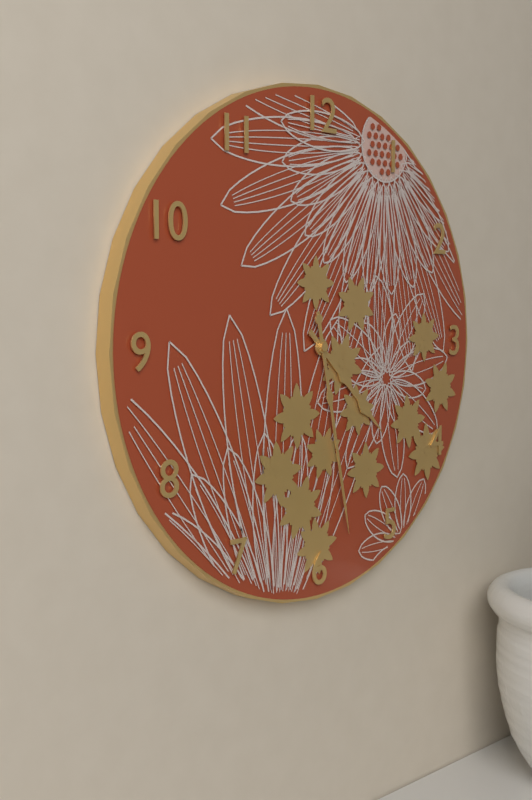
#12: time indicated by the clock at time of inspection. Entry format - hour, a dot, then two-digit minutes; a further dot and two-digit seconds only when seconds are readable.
4.28
